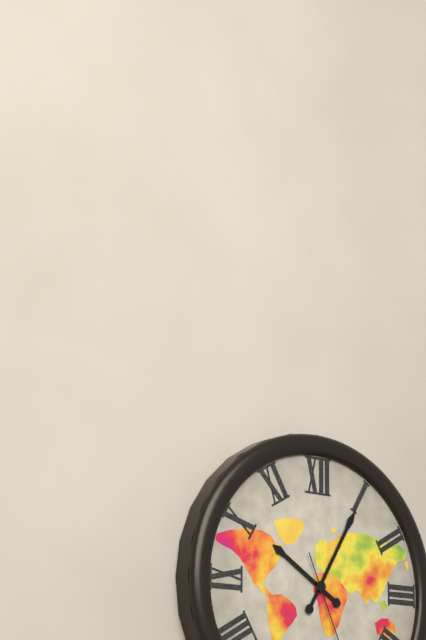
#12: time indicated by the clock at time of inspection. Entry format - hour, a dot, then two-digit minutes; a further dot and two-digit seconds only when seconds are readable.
10.05
